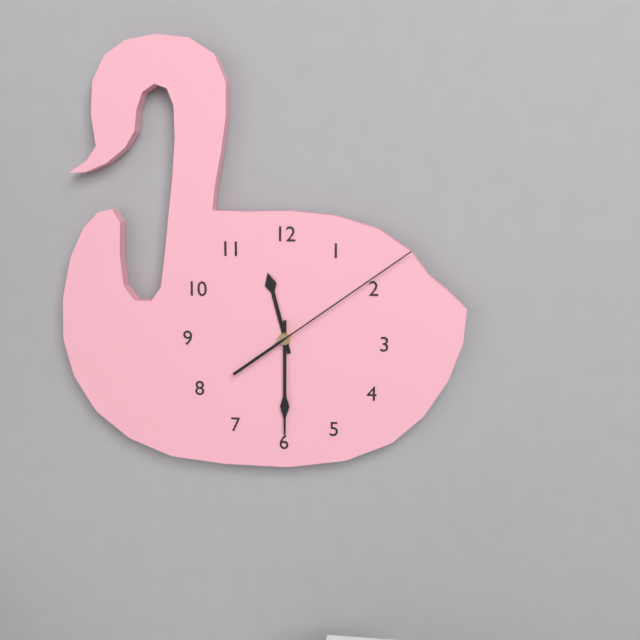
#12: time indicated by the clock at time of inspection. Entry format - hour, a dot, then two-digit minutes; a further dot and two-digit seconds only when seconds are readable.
11.30.09
